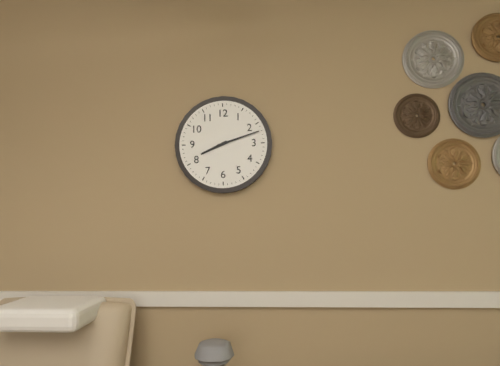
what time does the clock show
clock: 8:12
